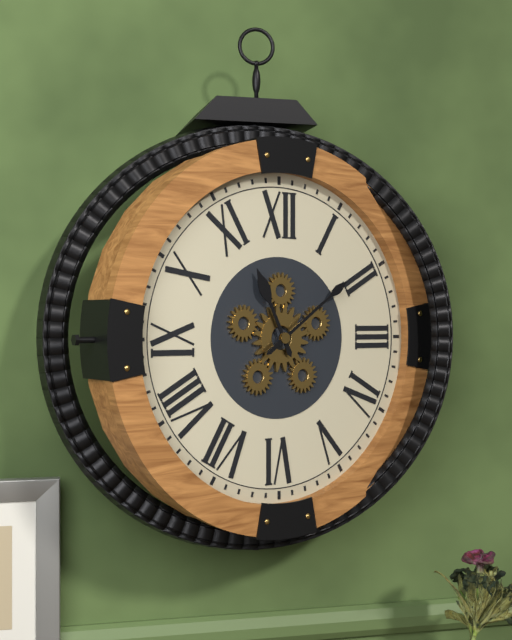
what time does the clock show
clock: 11:09
